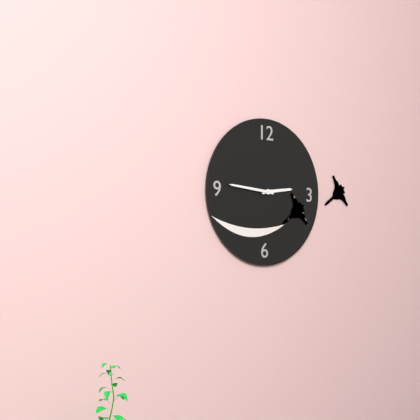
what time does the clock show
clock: 2:46
